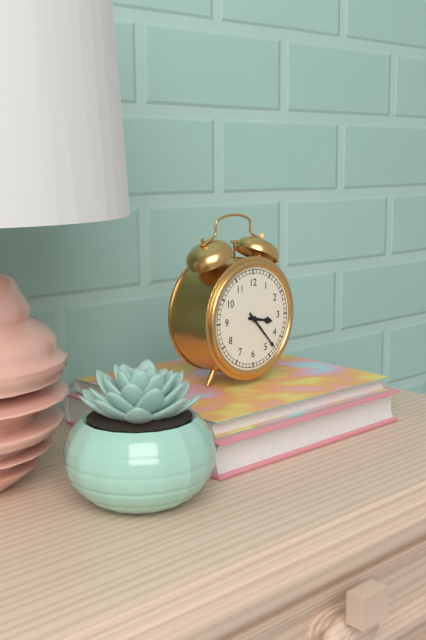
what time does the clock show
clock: 3:23
